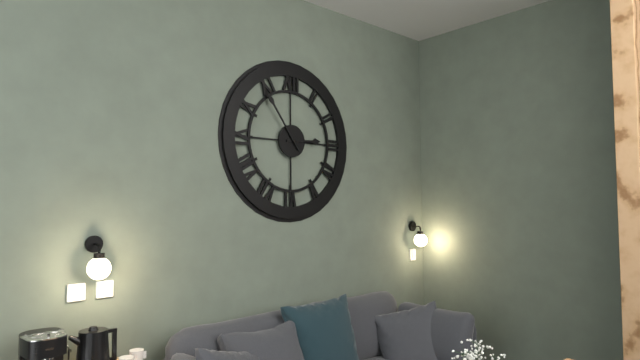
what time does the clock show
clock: 2:54
